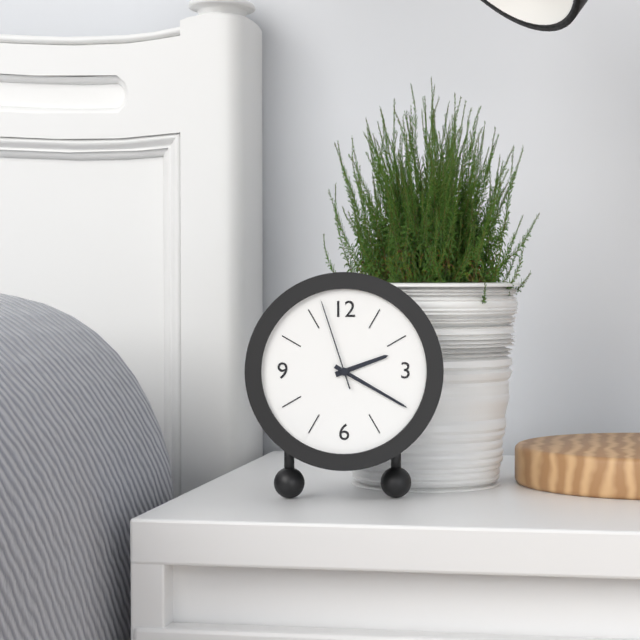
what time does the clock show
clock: 2:20:57
